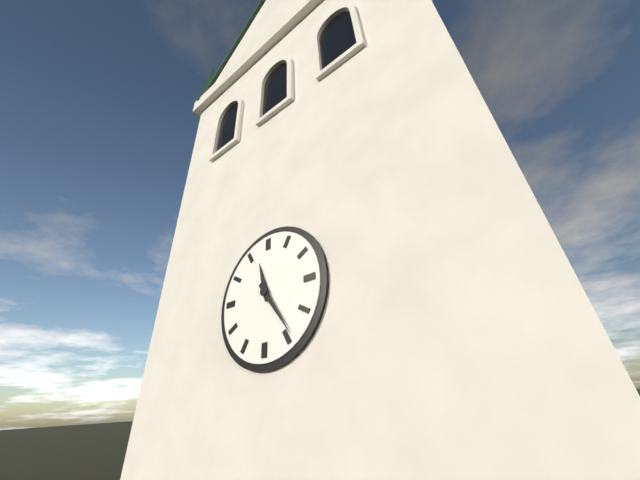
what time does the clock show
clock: 11:24
